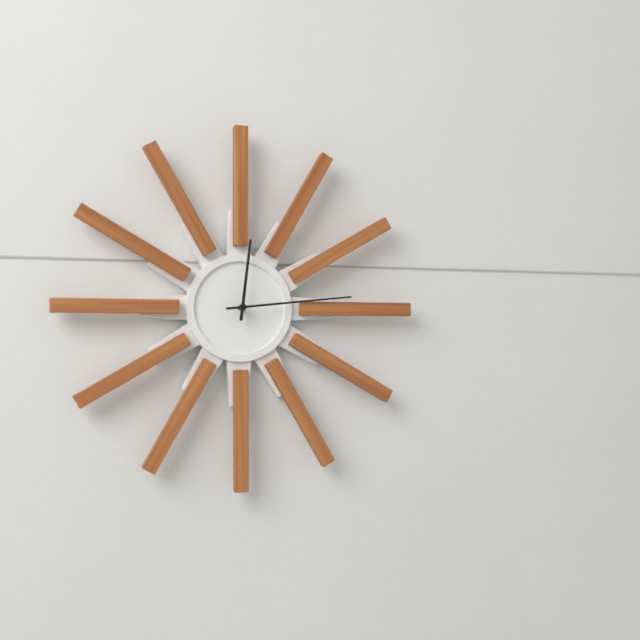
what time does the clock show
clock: 12:14
